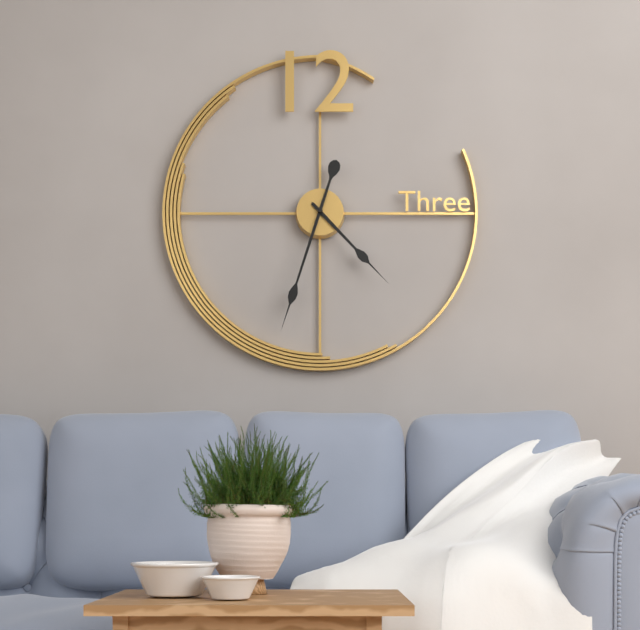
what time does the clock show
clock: 4:33
